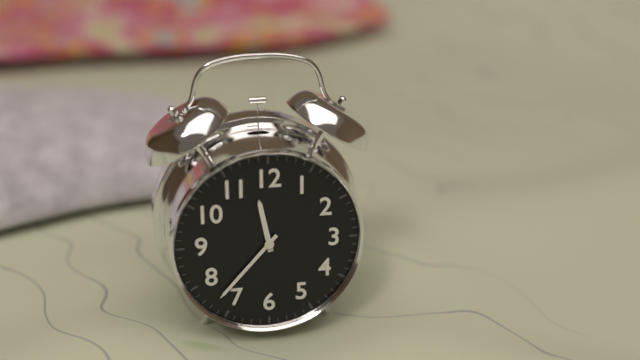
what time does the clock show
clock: 11:37
